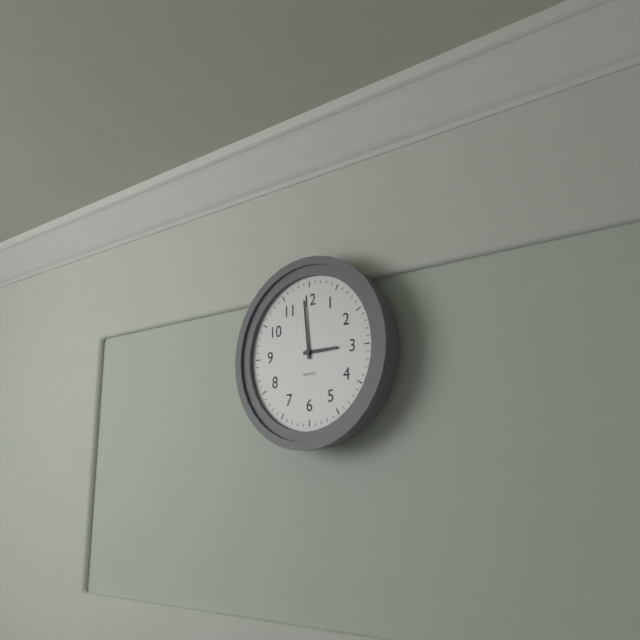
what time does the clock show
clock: 2:59
